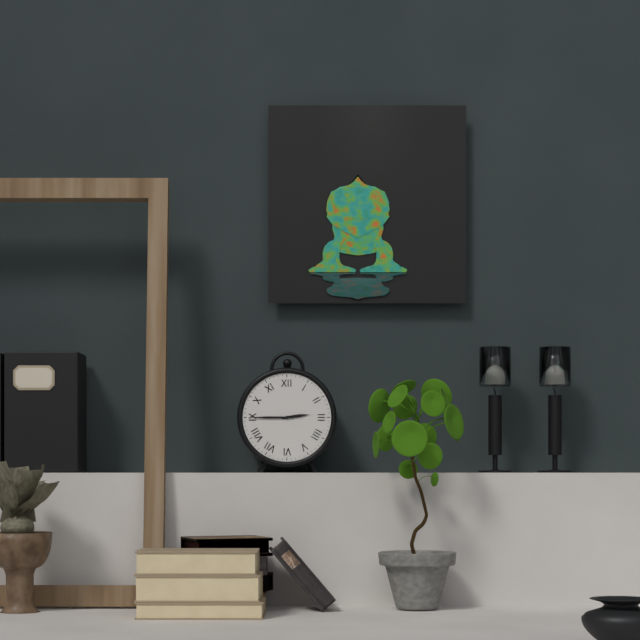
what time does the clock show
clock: 2:45
